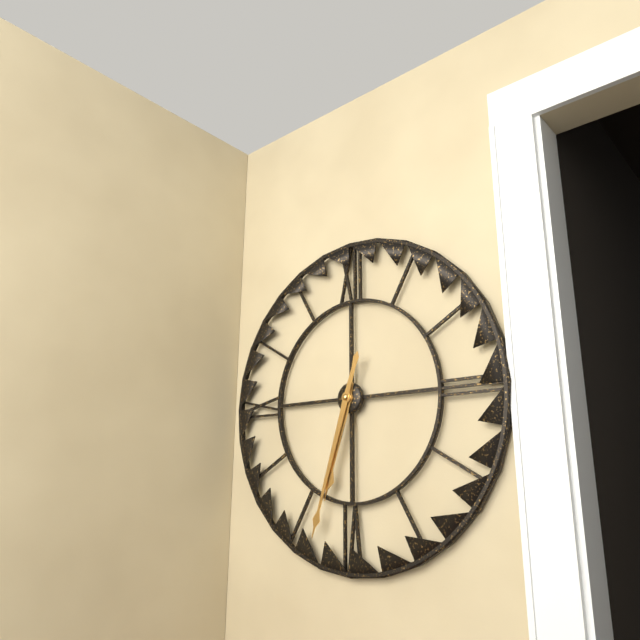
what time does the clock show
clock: 6:33
